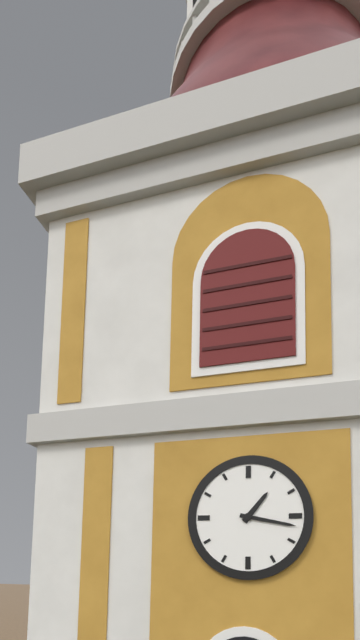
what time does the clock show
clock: 1:17
